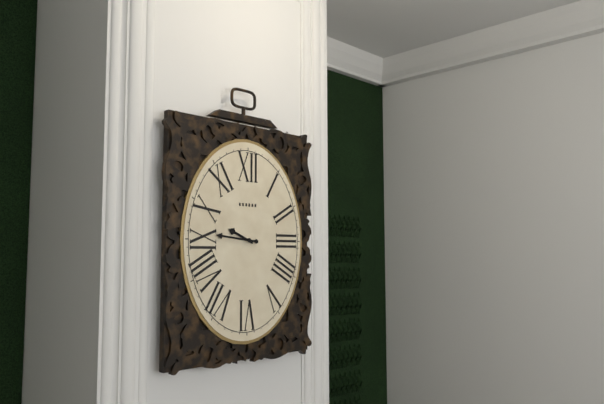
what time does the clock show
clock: 9:46
